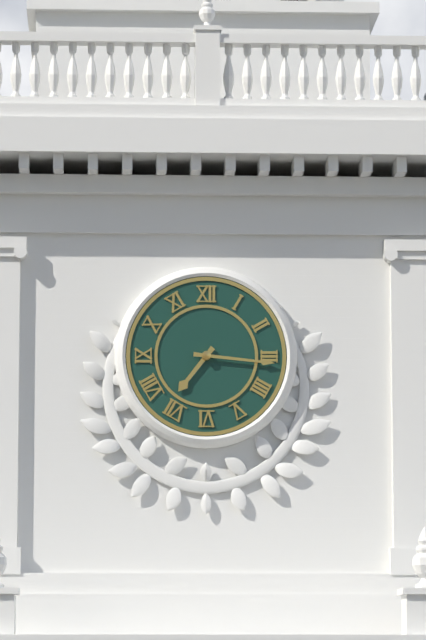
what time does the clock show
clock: 7:16
